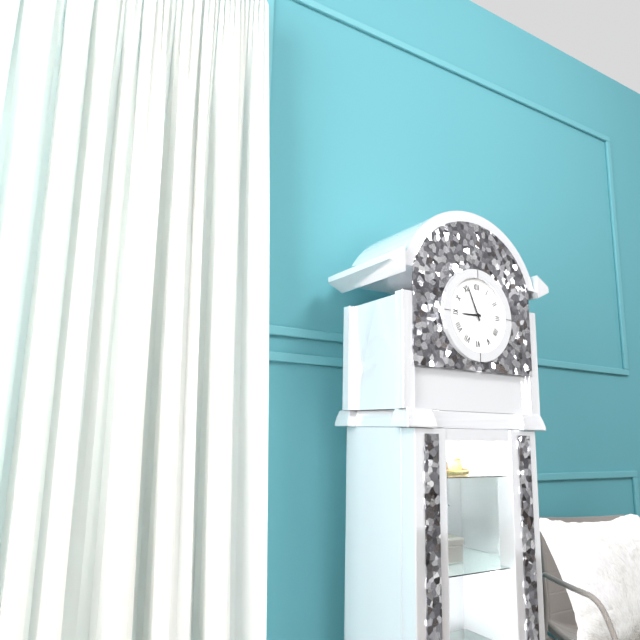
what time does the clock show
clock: 8:56
